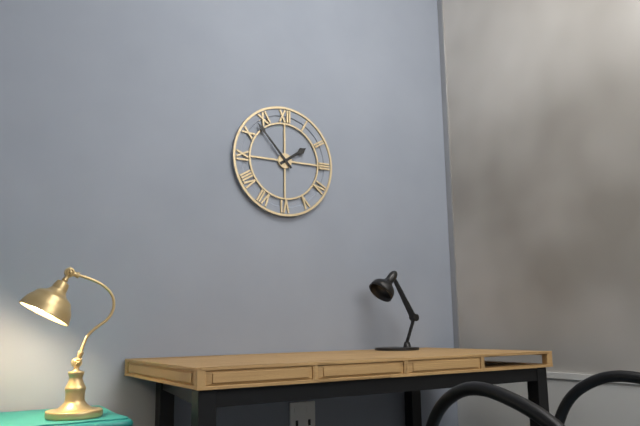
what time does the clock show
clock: 1:53
